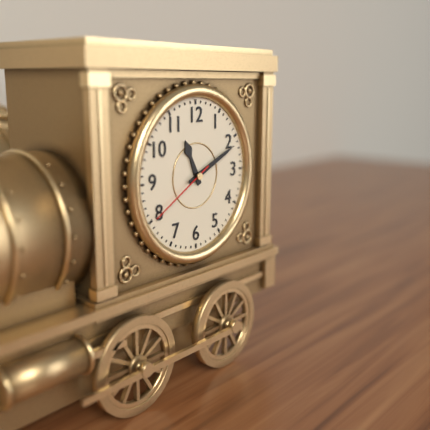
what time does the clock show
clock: 11:11:40
